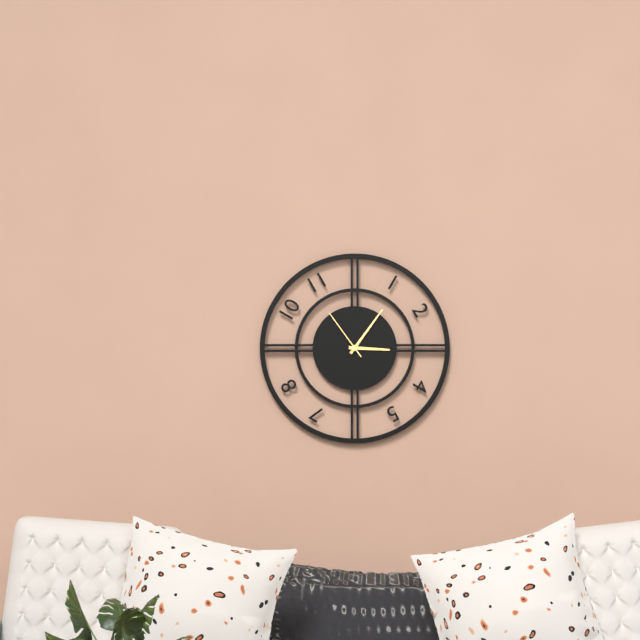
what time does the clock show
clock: 3:06:54
